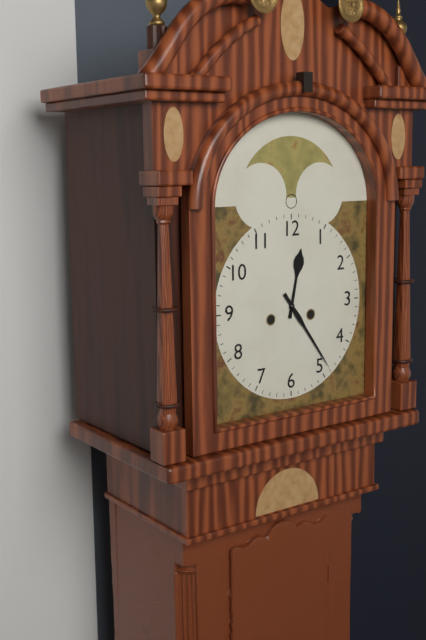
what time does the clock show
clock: 12:24
